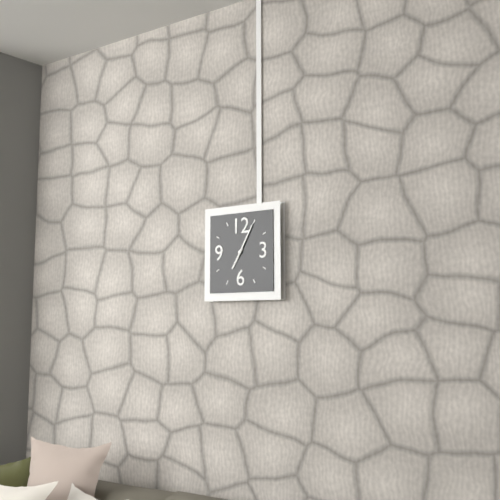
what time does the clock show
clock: 7:05
